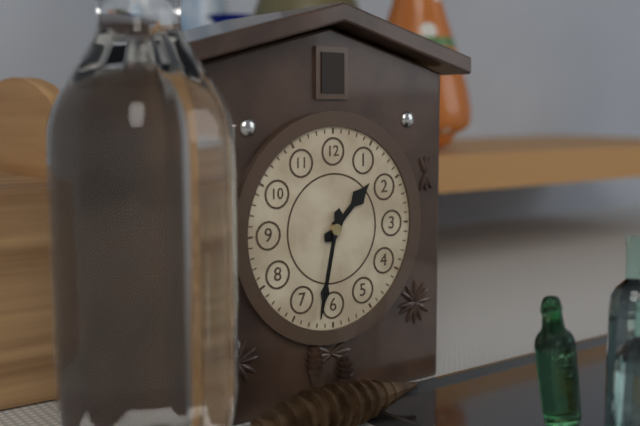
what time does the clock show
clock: 1:32
